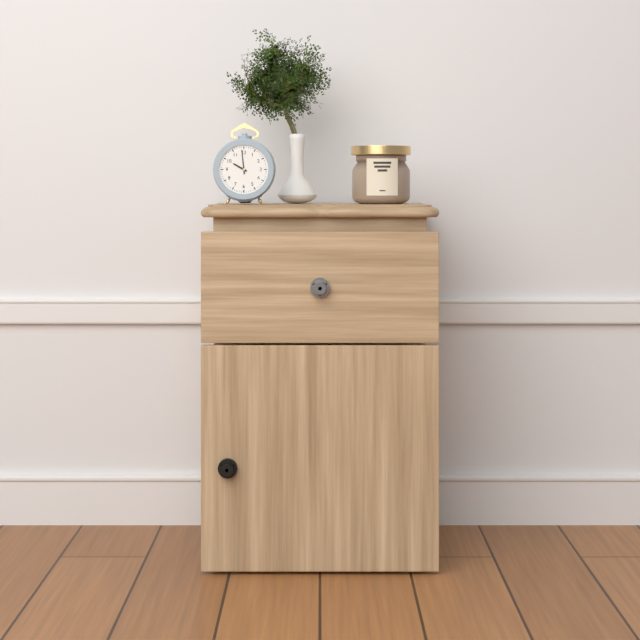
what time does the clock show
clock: 9:59
